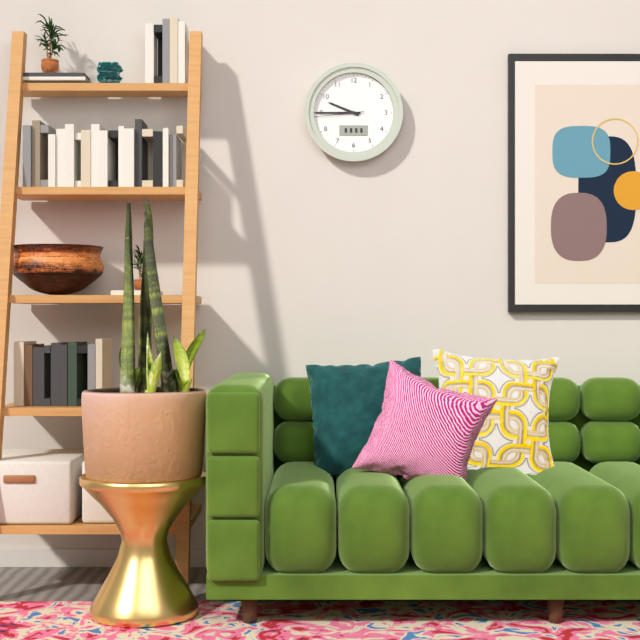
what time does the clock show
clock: 9:45:44
